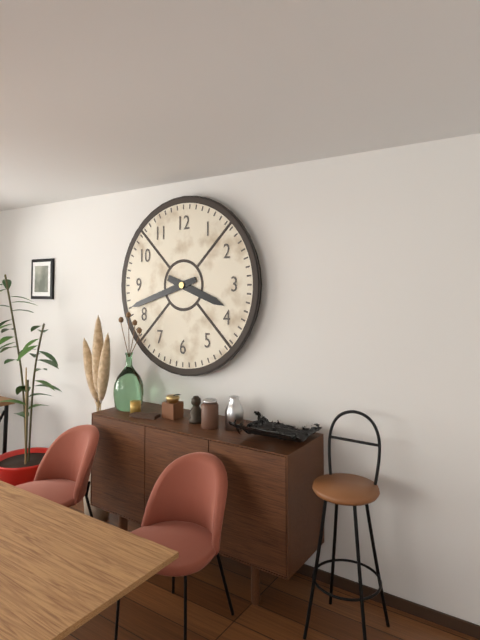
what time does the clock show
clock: 3:42
